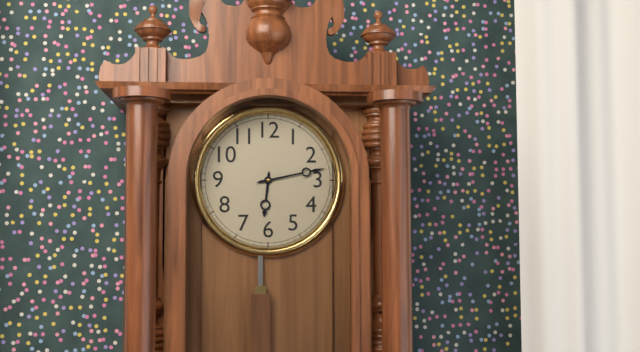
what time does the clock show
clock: 6:13
